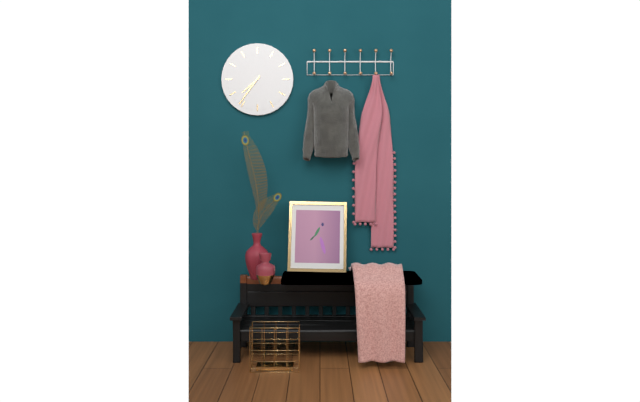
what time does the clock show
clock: 7:36
